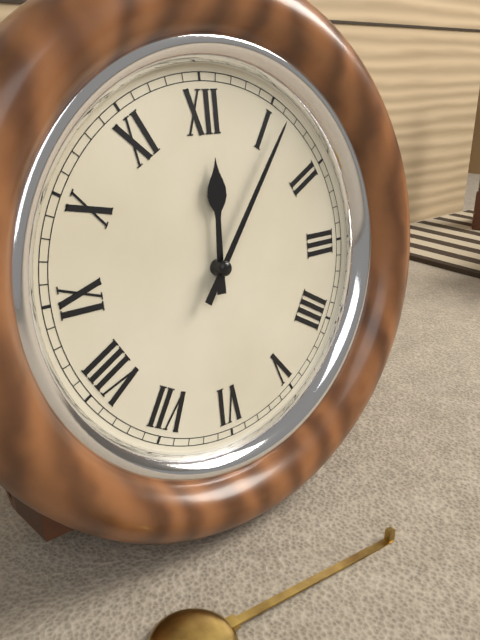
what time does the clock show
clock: 12:06
